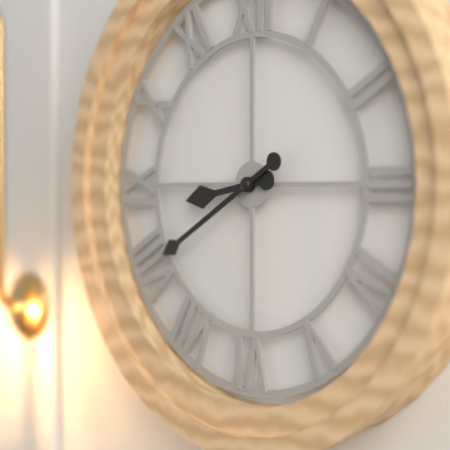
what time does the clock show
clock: 8:40
